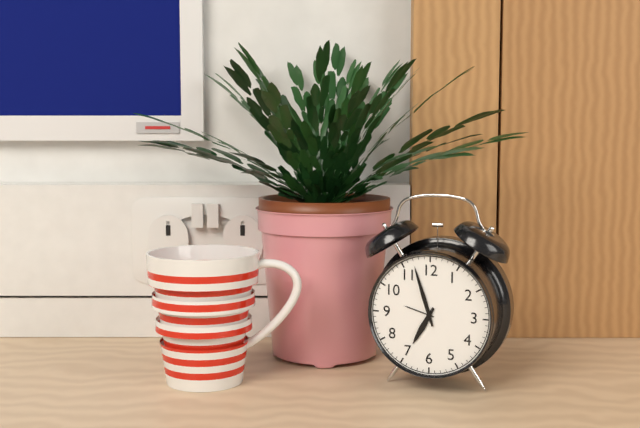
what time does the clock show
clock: 6:57
